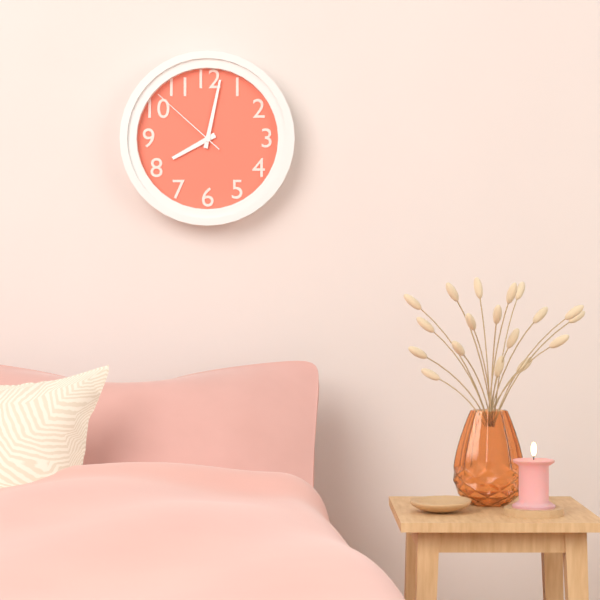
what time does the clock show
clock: 8:02:52
